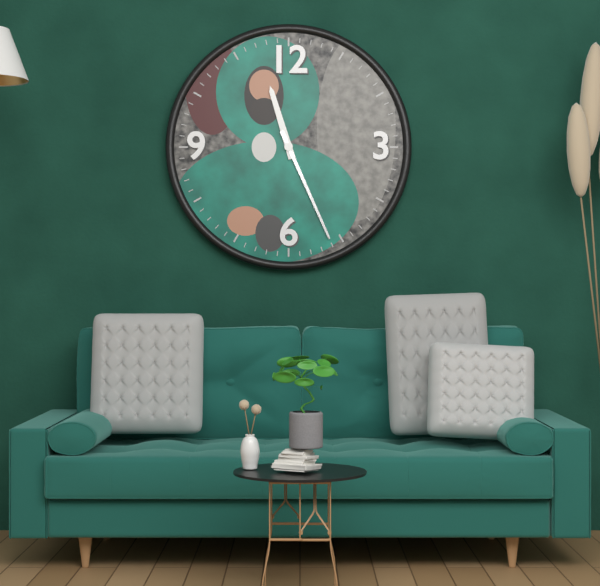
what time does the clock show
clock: 11:26
